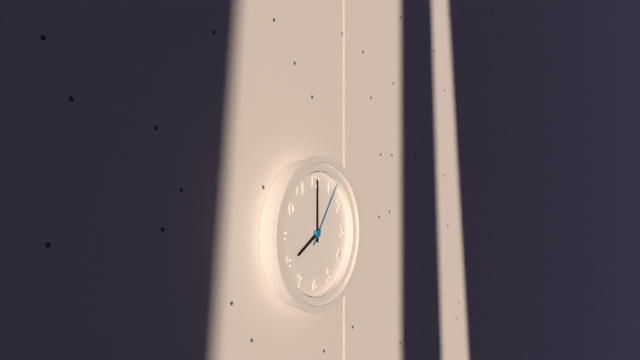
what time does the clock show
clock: 8:00:06
